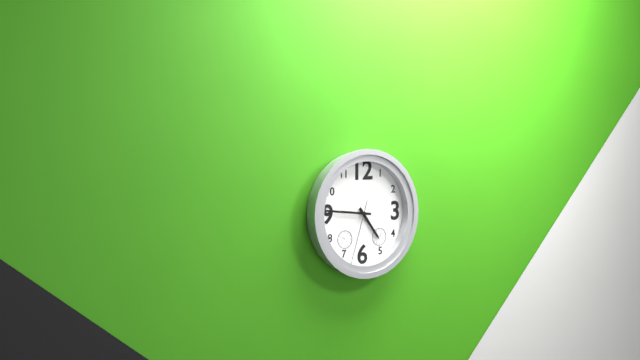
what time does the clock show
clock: 4:46:33
